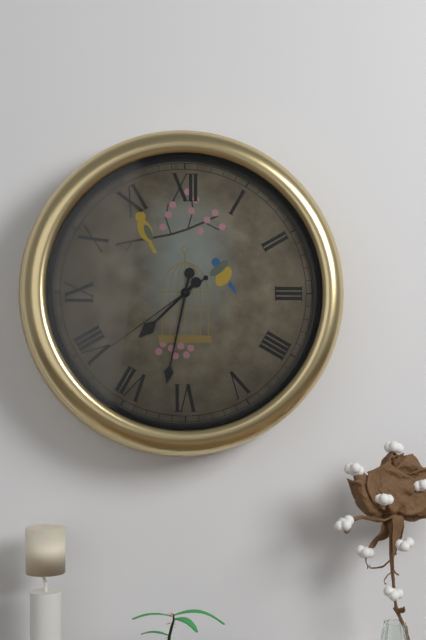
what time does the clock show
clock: 7:32:39
